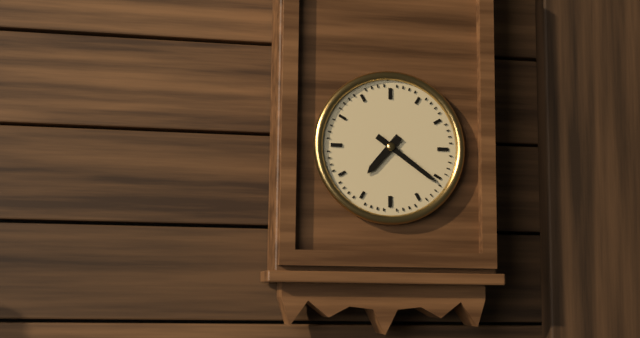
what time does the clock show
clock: 7:21
